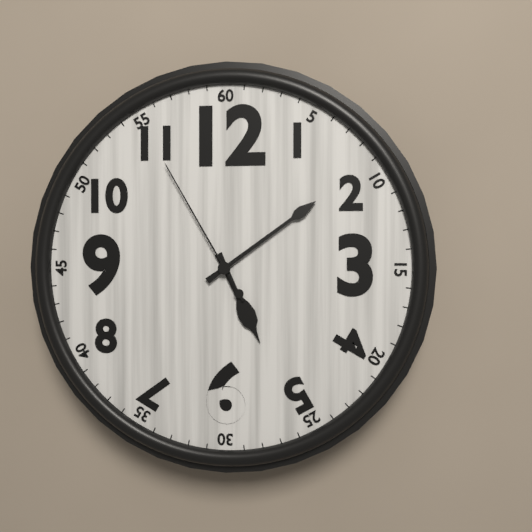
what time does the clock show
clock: 5:09:55
